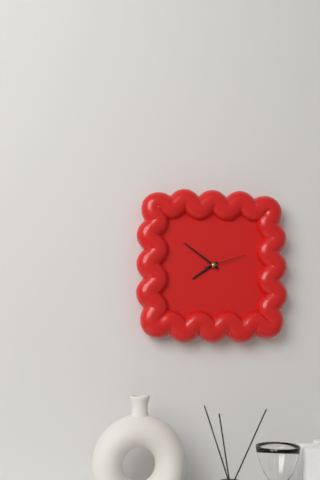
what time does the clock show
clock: 7:51
